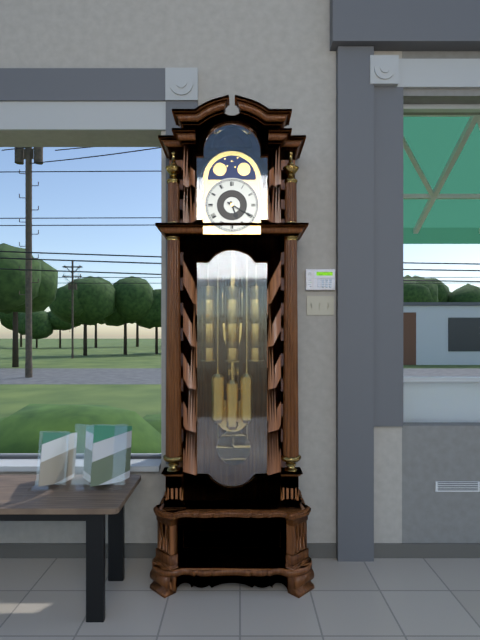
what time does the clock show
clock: 5:20
